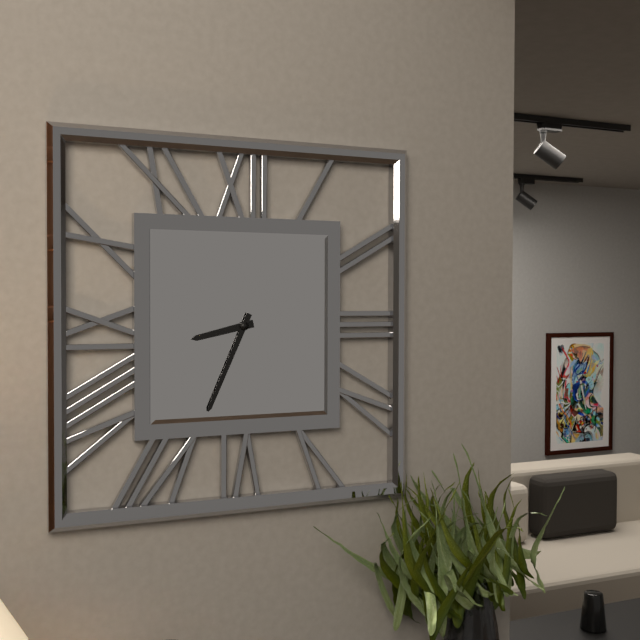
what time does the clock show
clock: 8:34
